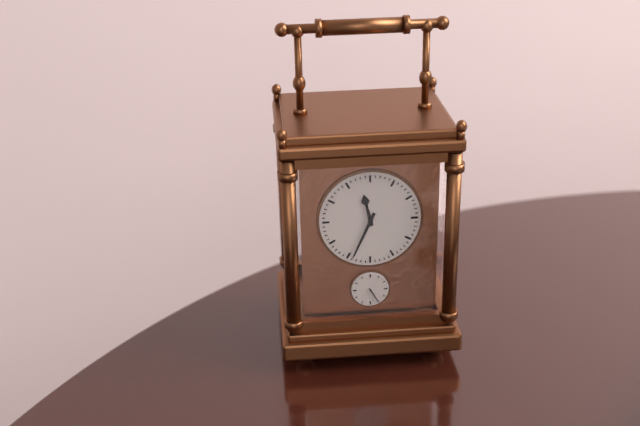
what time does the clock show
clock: 11:34
